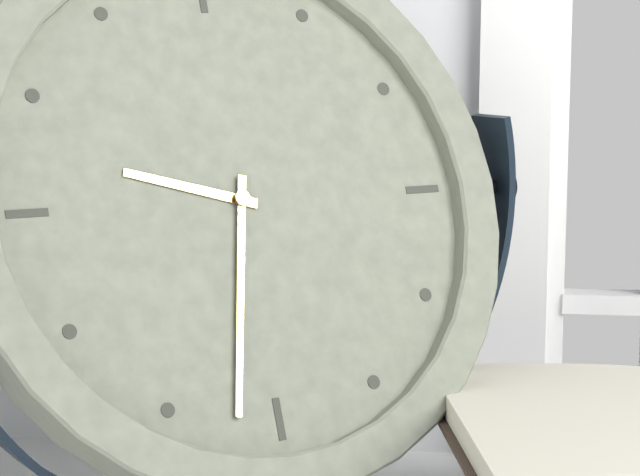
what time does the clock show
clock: 9:32
